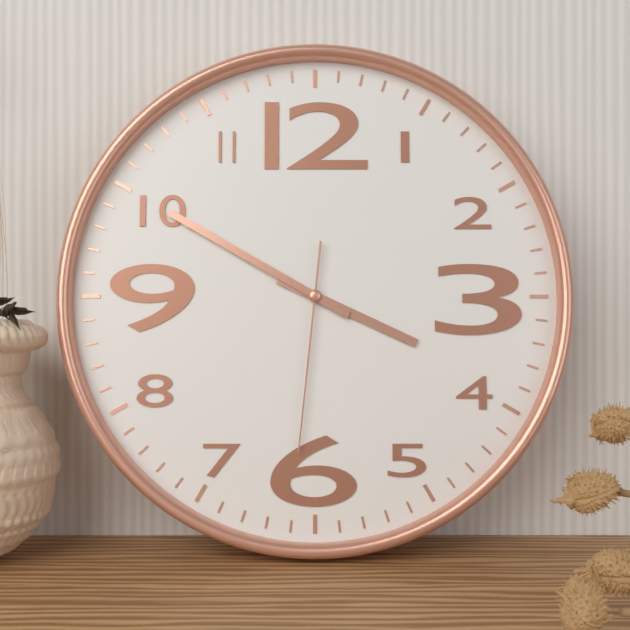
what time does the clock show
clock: 3:50:31
